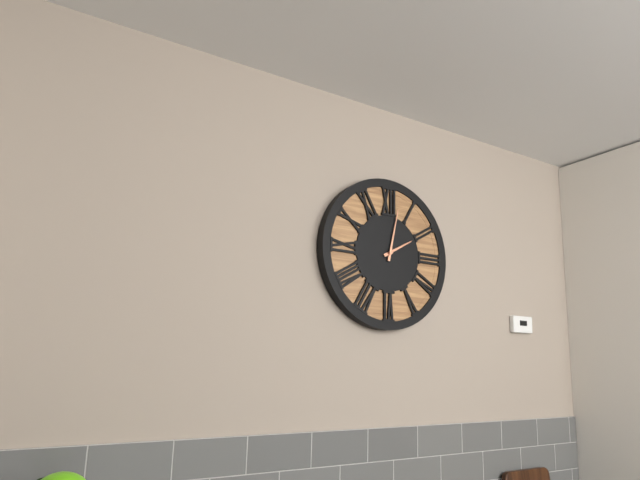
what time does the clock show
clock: 2:02
